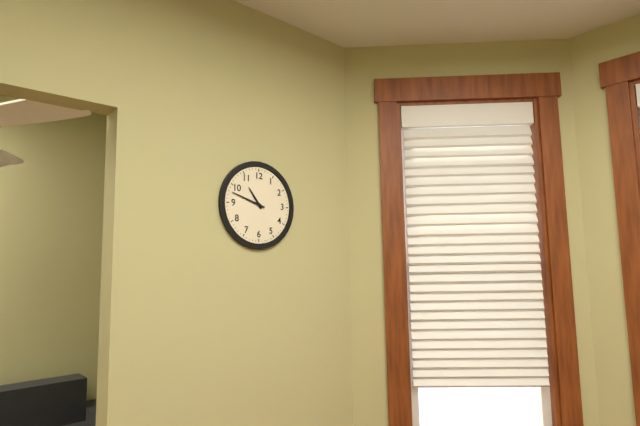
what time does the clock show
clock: 10:48
